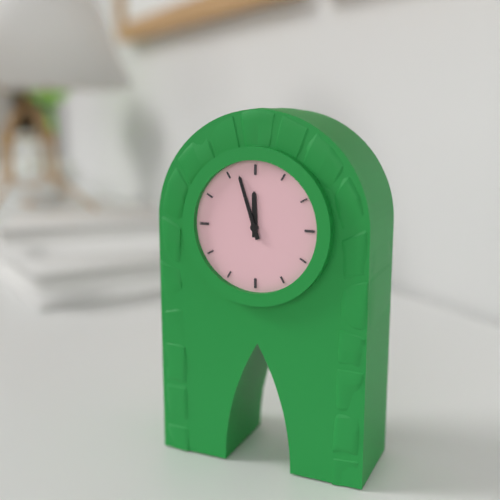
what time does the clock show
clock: 11:57
